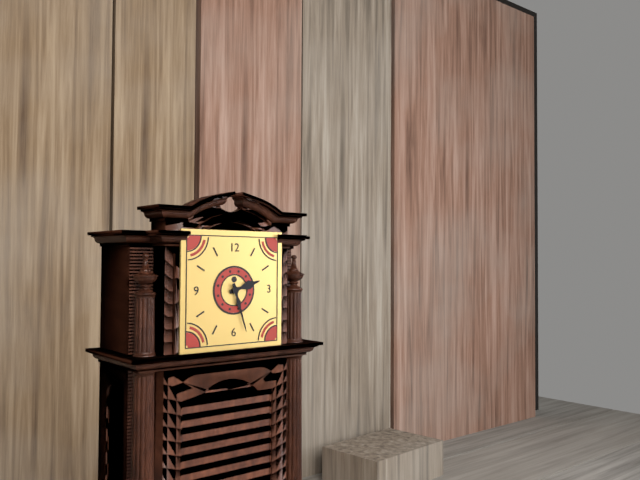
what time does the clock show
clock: 2:27
